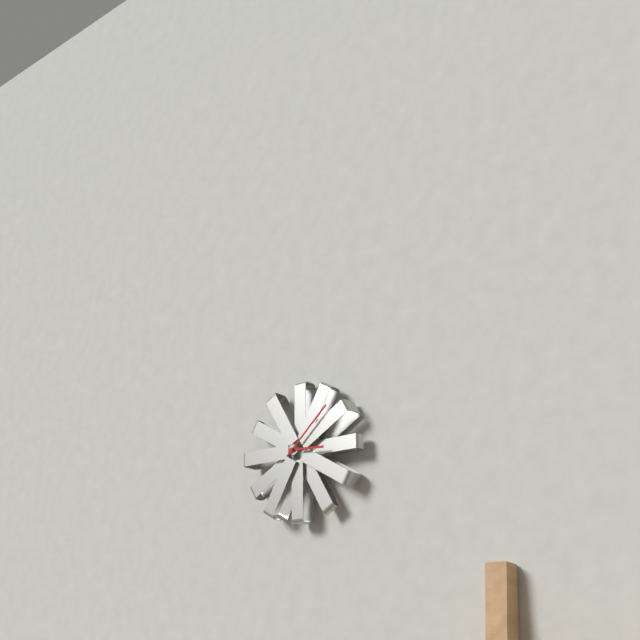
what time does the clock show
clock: 3:08
